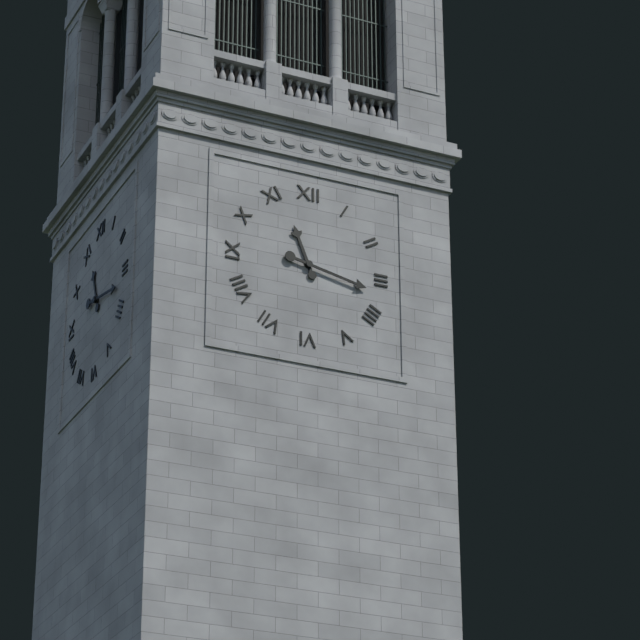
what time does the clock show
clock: 11:17
